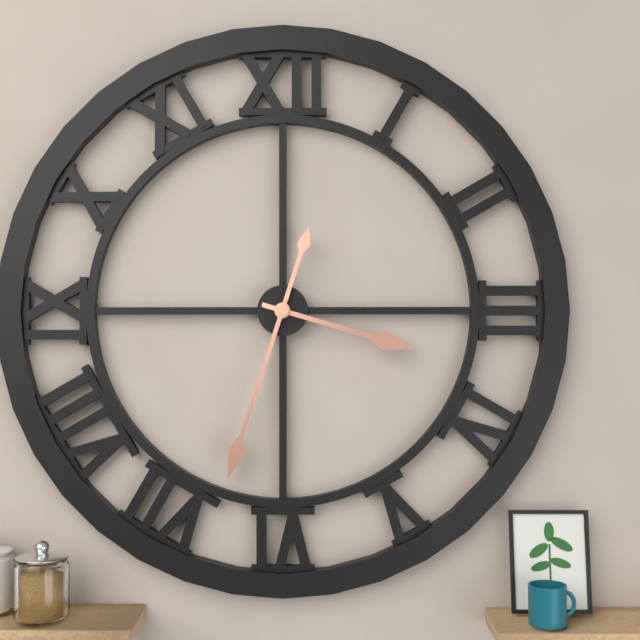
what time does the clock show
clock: 3:33
